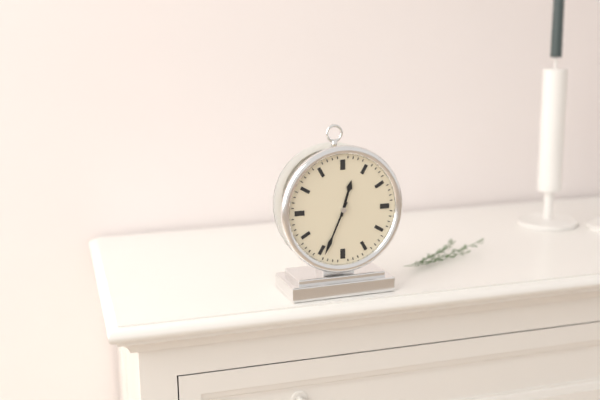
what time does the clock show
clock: 12:34
